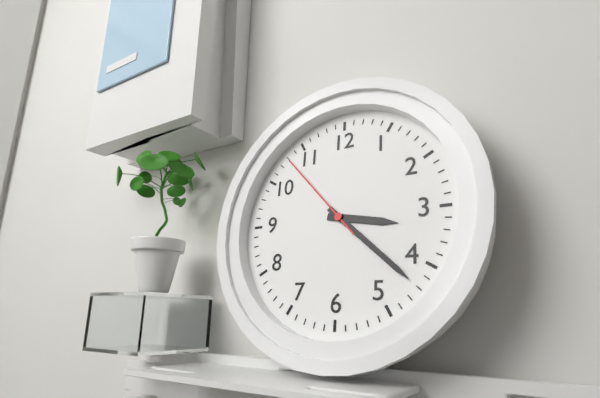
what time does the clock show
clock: 3:22:53
